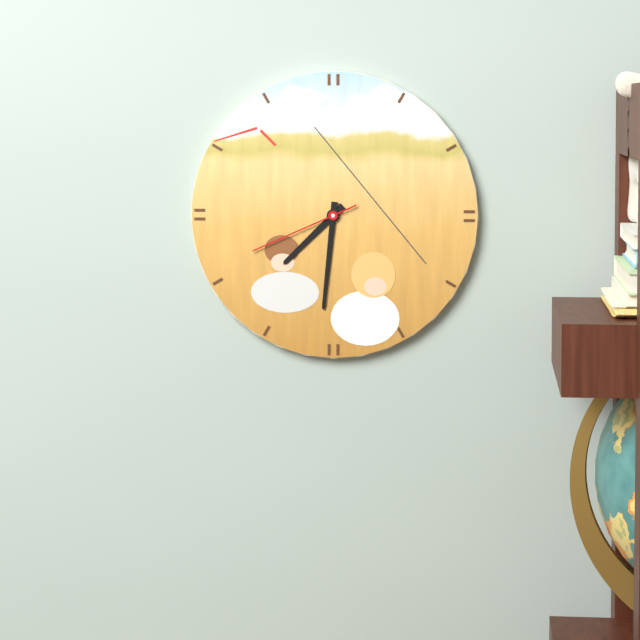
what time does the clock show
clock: 7:31:41
